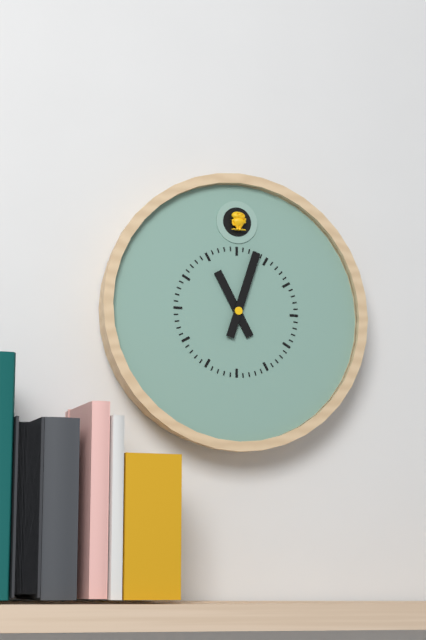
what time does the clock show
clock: 11:03
